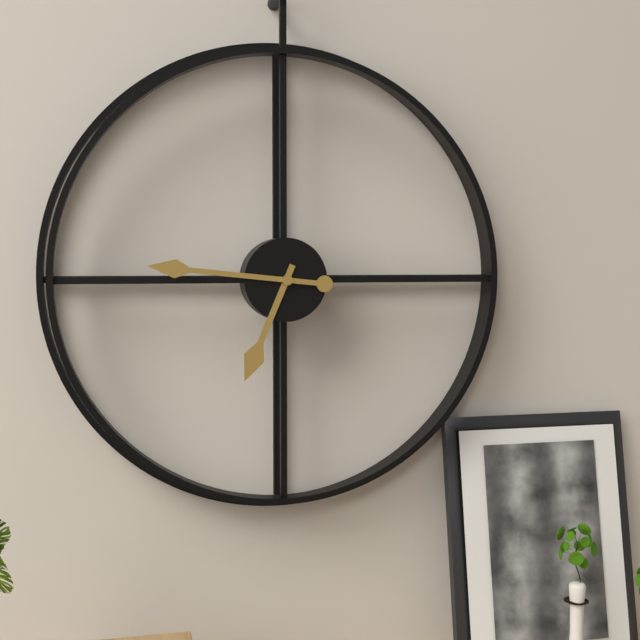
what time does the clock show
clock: 6:46
